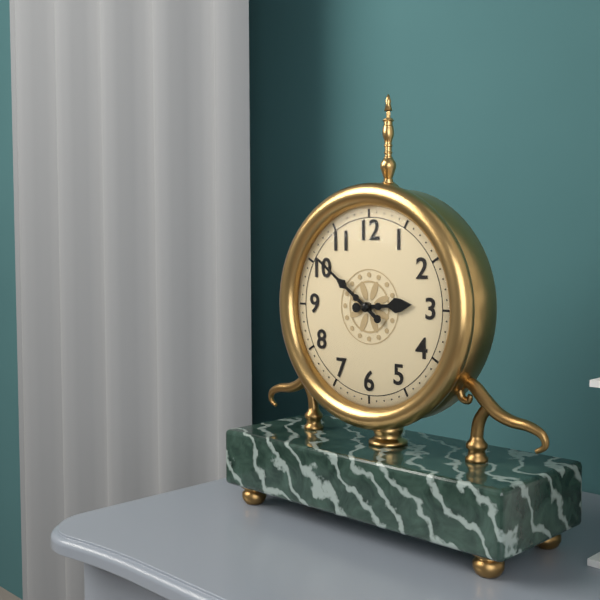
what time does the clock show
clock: 2:51
